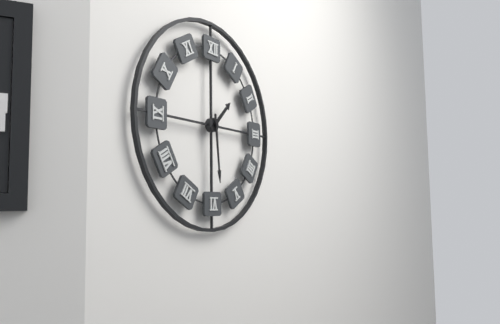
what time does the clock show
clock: 1:29
